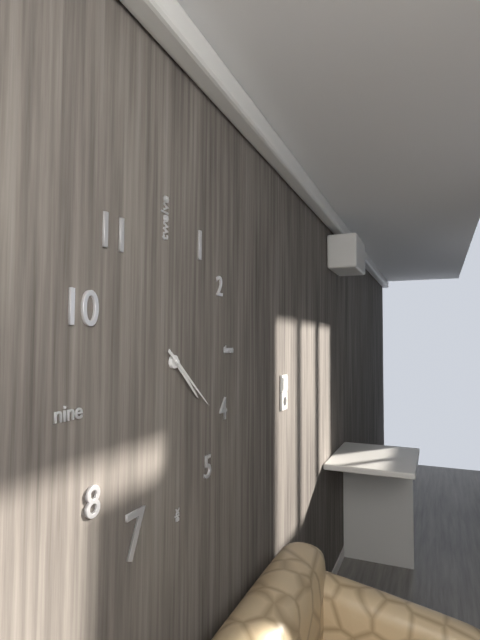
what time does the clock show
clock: 4:21
